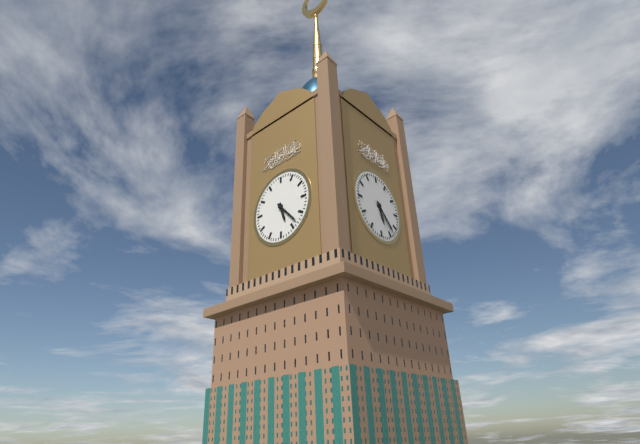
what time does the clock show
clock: 5:23
